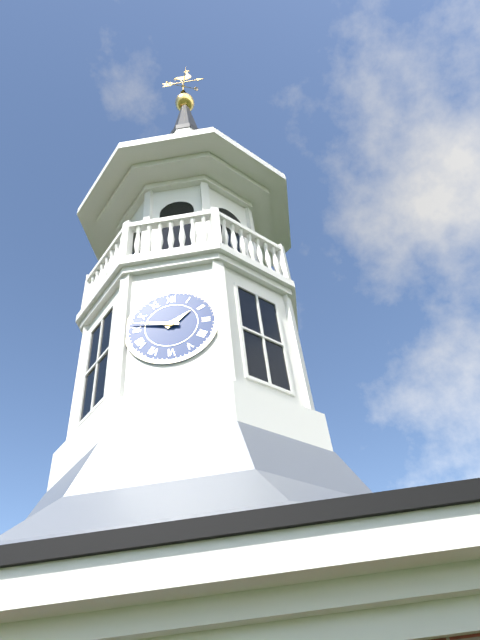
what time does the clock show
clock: 1:47
